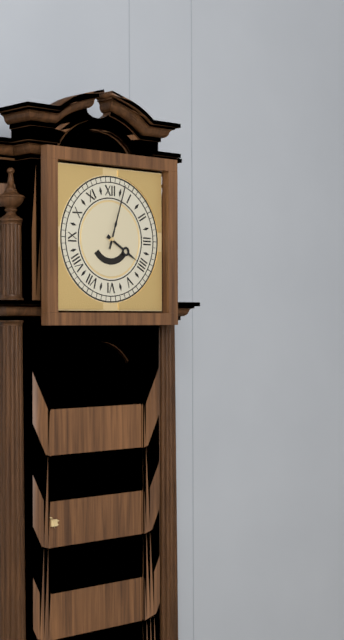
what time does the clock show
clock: 4:03
